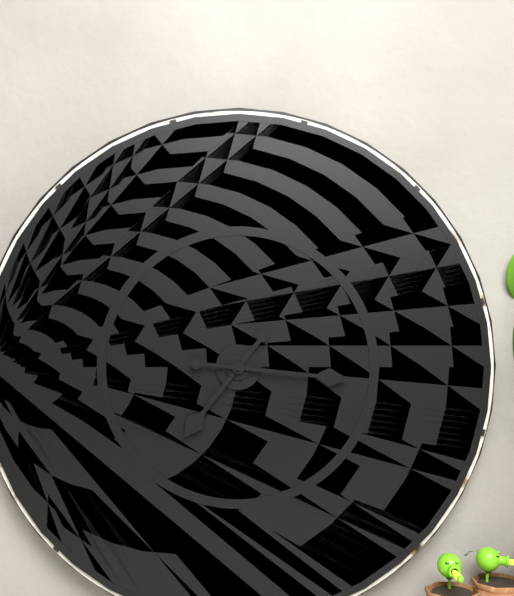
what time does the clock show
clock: 7:16
